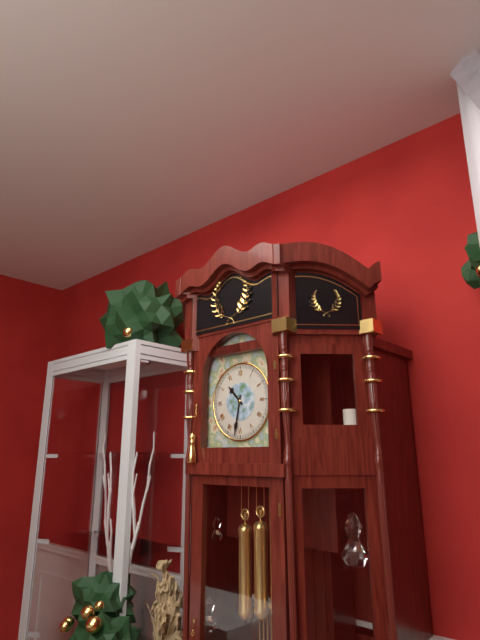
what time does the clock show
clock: 10:32
